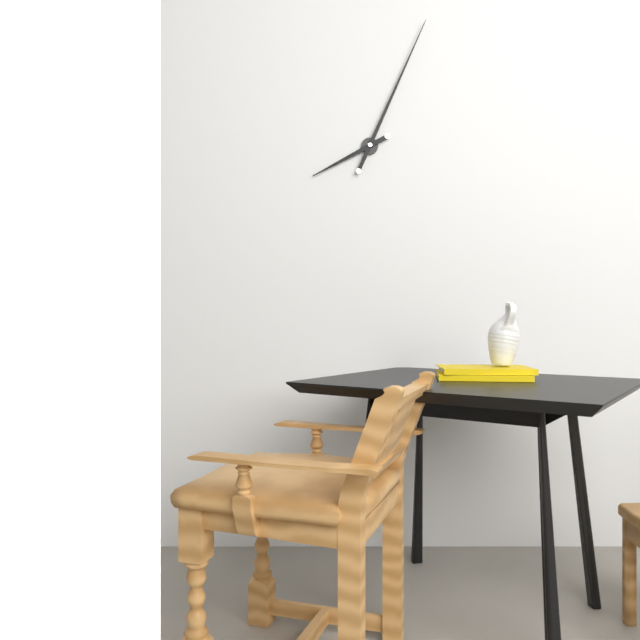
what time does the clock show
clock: 8:04
